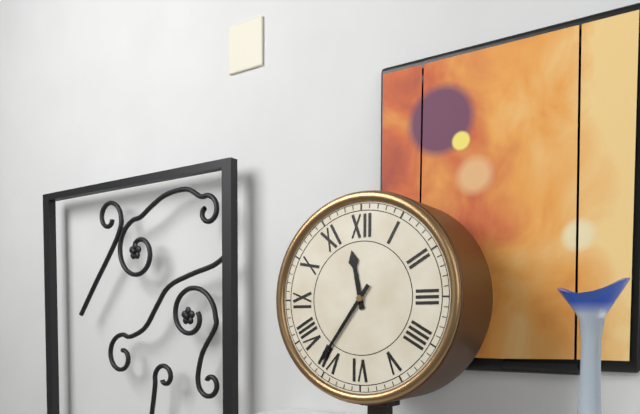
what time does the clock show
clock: 11:36
